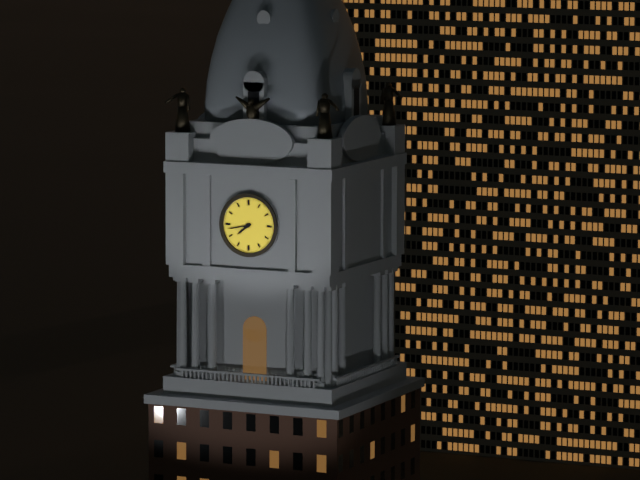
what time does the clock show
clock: 7:43
